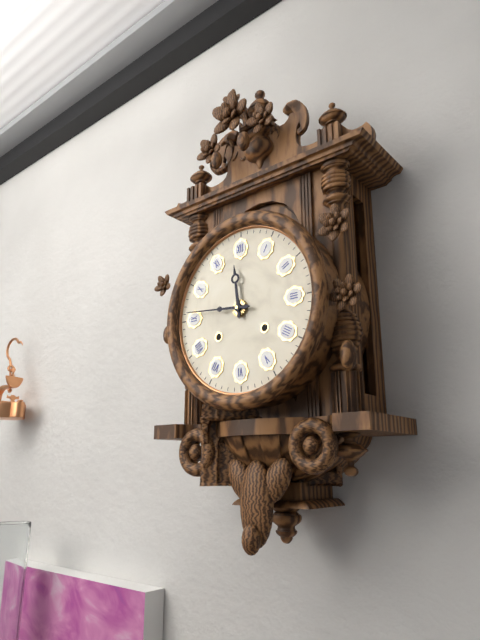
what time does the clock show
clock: 11:46
